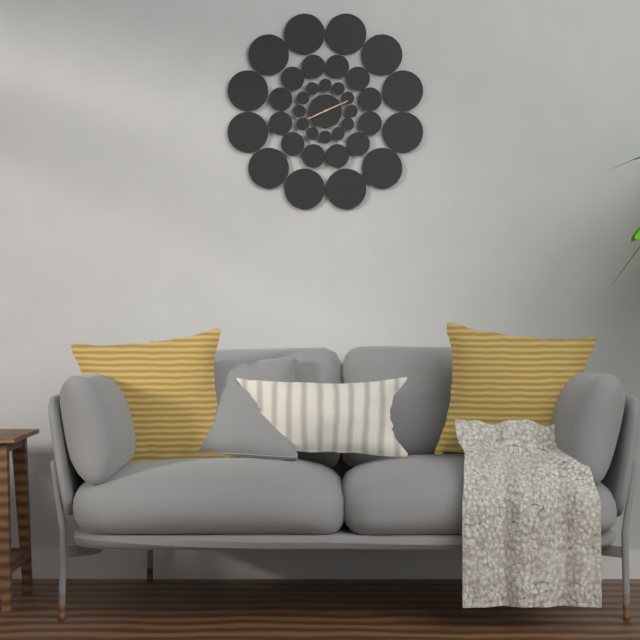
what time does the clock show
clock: 8:11
